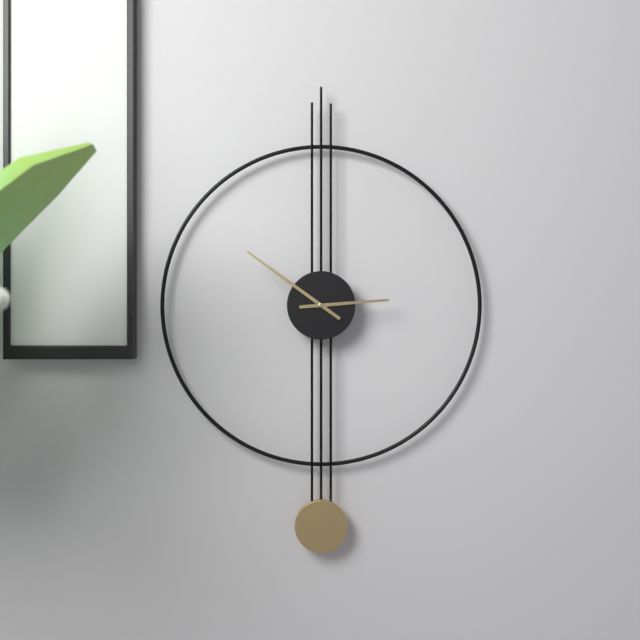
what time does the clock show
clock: 2:51
